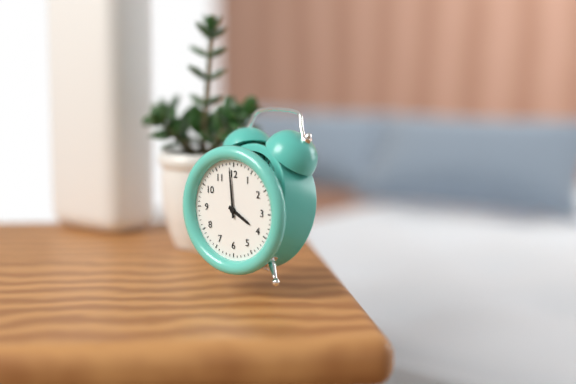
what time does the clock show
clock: 3:59
